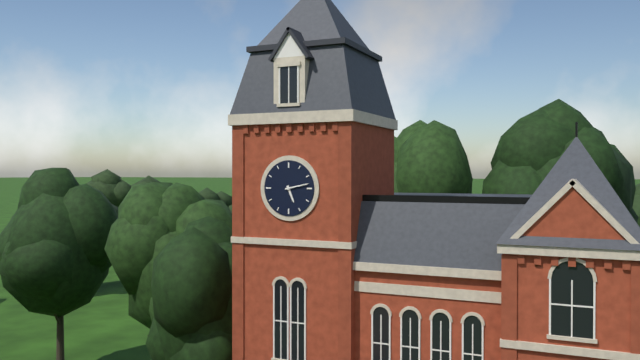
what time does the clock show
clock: 5:13
